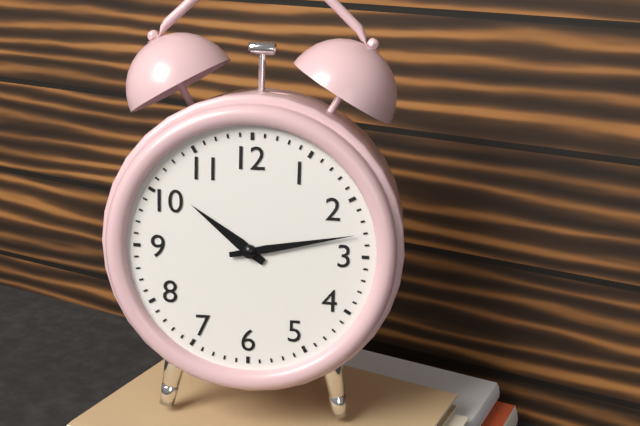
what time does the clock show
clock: 10:13
